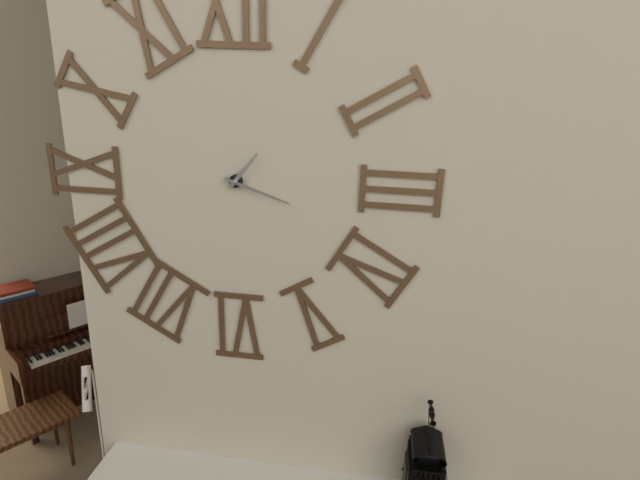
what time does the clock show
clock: 1:18
